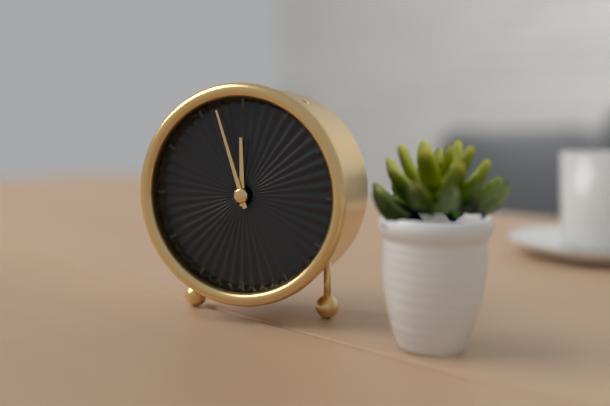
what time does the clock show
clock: 11:57
